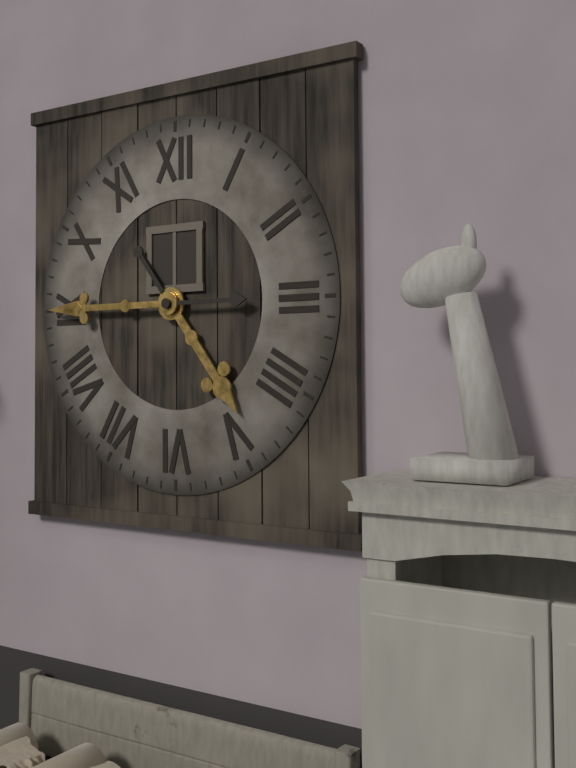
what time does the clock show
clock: 4:45
